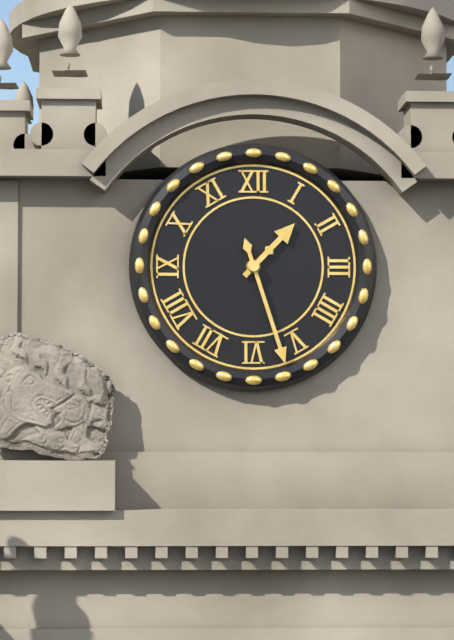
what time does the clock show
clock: 1:27
